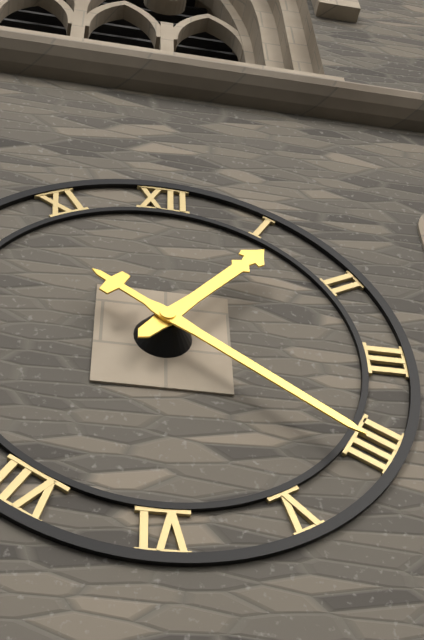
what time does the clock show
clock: 1:21
